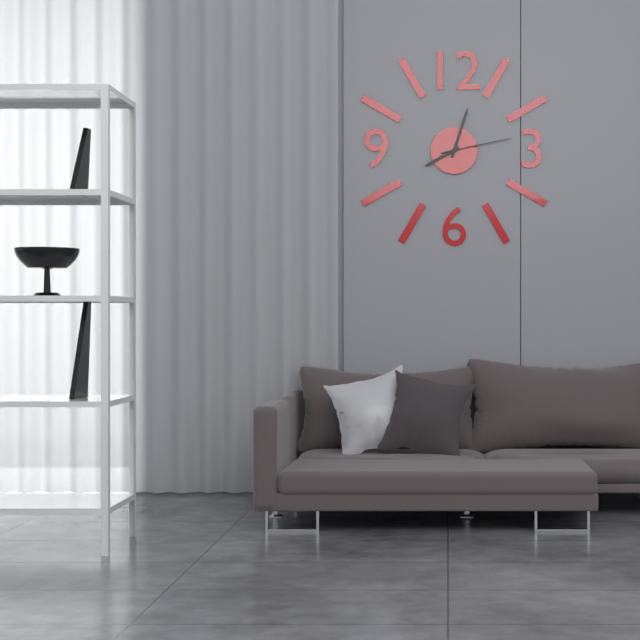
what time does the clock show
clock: 8:03:13
